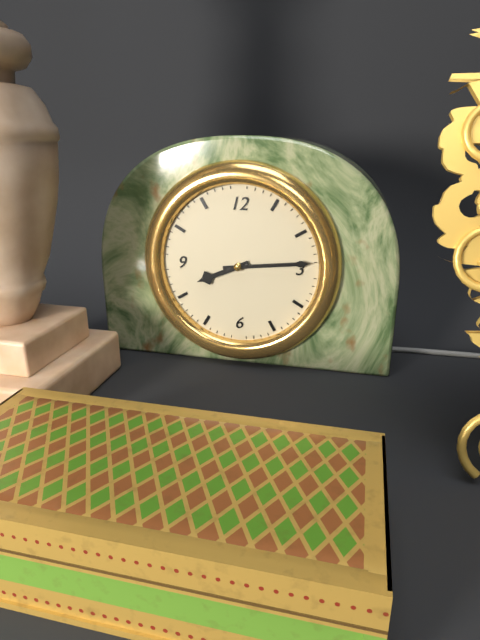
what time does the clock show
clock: 8:14
